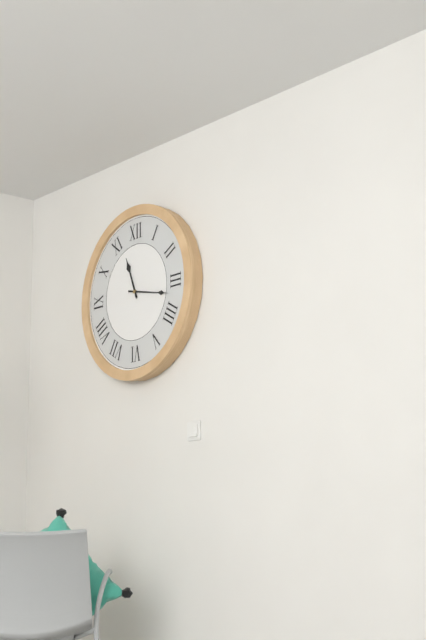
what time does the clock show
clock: 11:17
